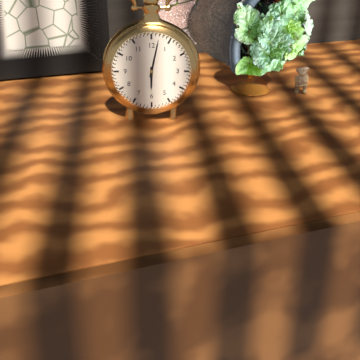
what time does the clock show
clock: 6:02
